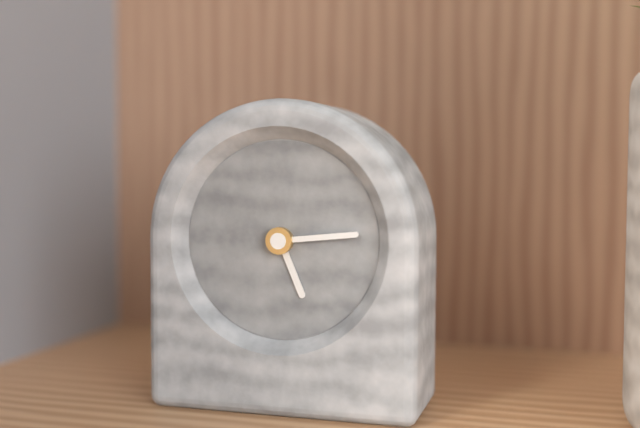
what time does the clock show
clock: 5:14
